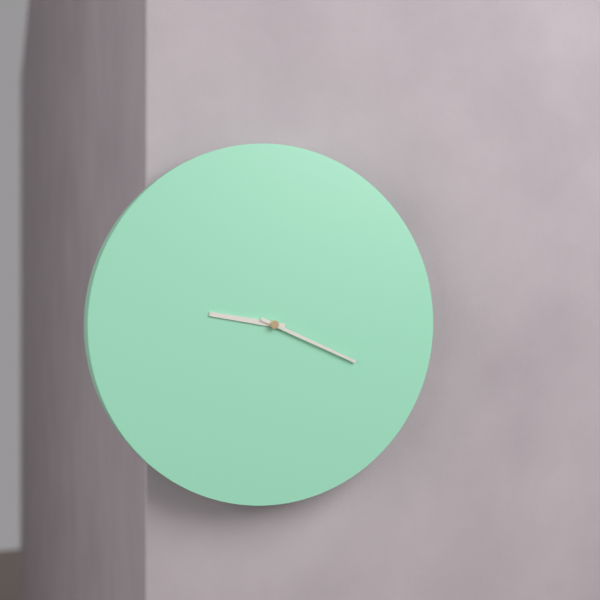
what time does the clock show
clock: 9:19
